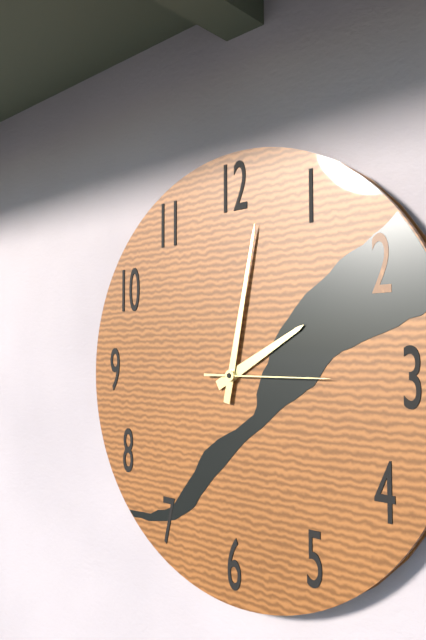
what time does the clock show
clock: 2:02:15
